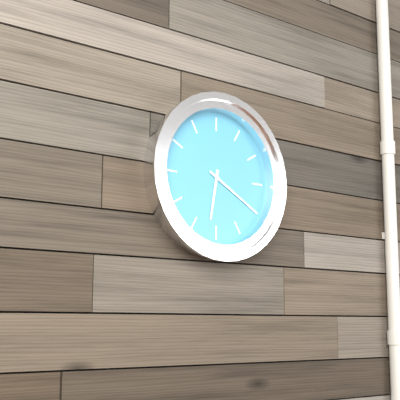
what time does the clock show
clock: 6:20
